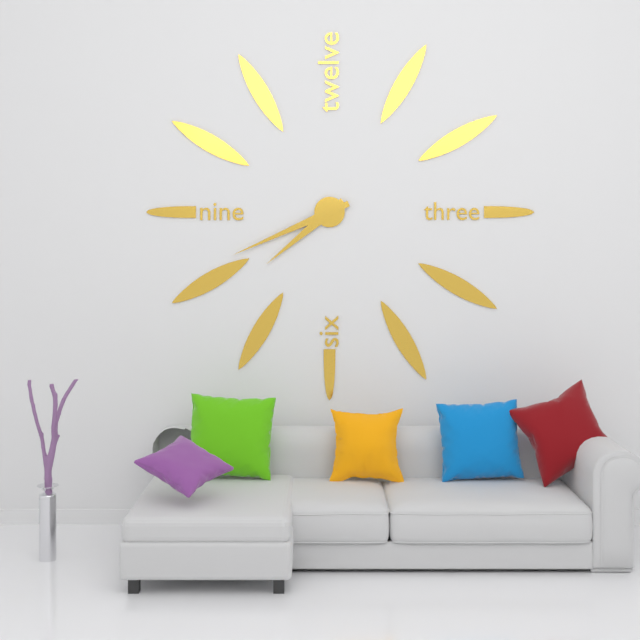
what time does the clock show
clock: 7:41
